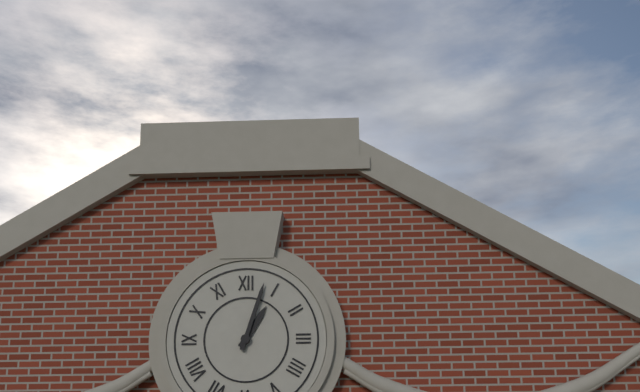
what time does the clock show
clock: 1:03
